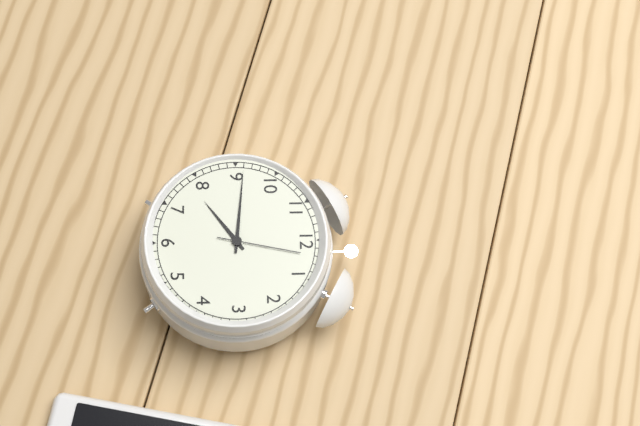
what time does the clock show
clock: 7:46:02
